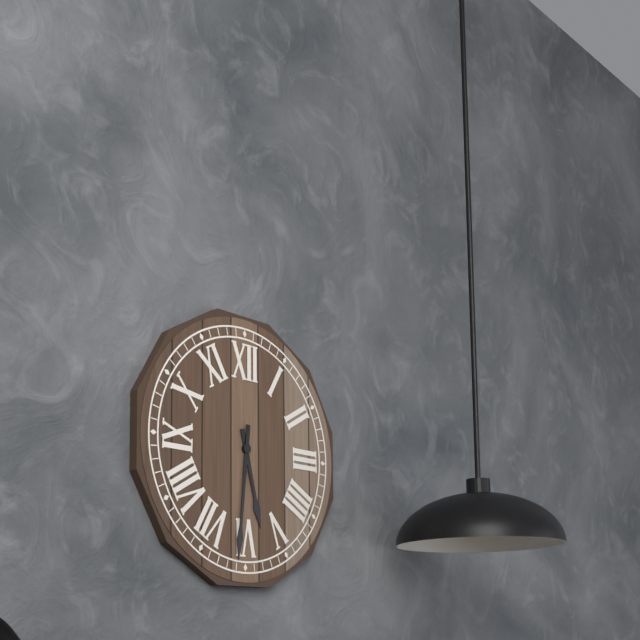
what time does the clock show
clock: 5:31
